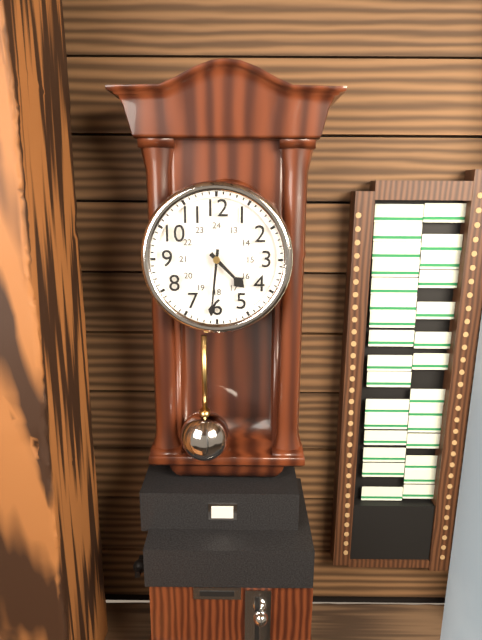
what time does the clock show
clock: 4:31
